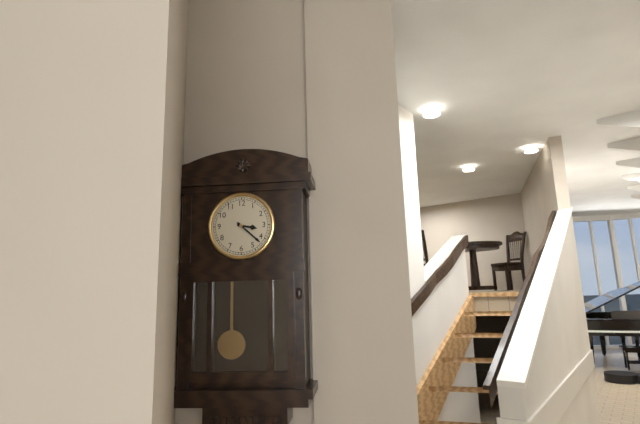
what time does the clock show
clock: 3:22
